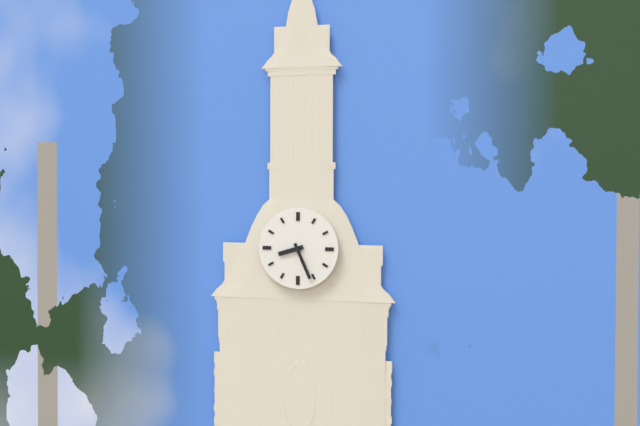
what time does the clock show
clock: 8:26
